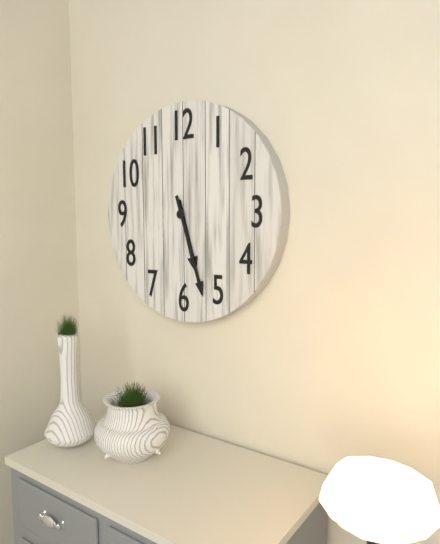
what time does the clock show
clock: 5:27
